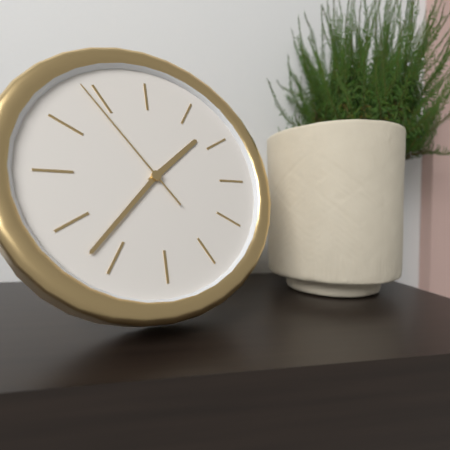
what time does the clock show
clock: 1:37:54
